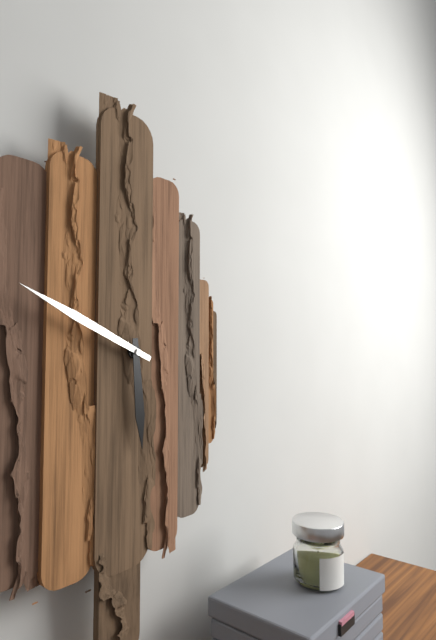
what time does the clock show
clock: 5:49
